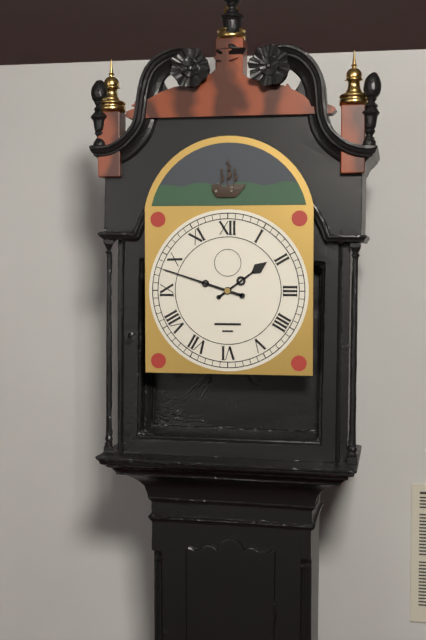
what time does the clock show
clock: 1:48
